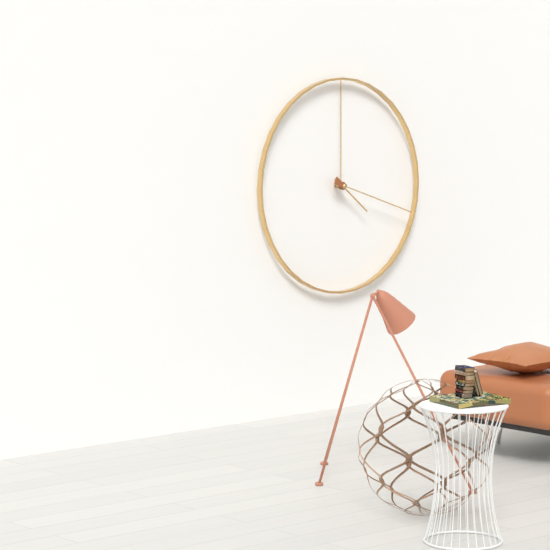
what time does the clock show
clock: 4:18
